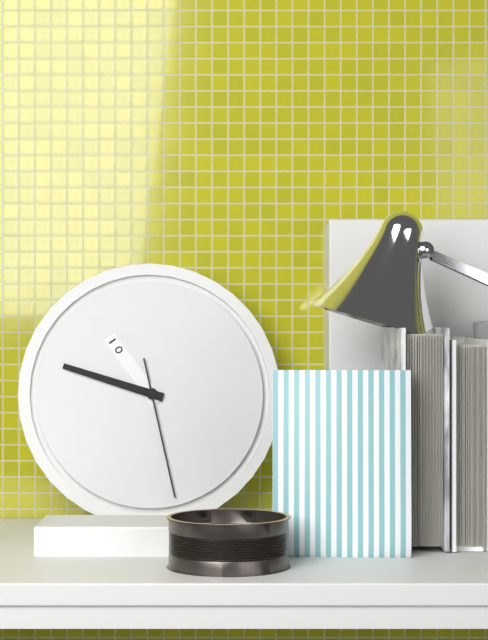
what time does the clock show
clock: 10:48:28
